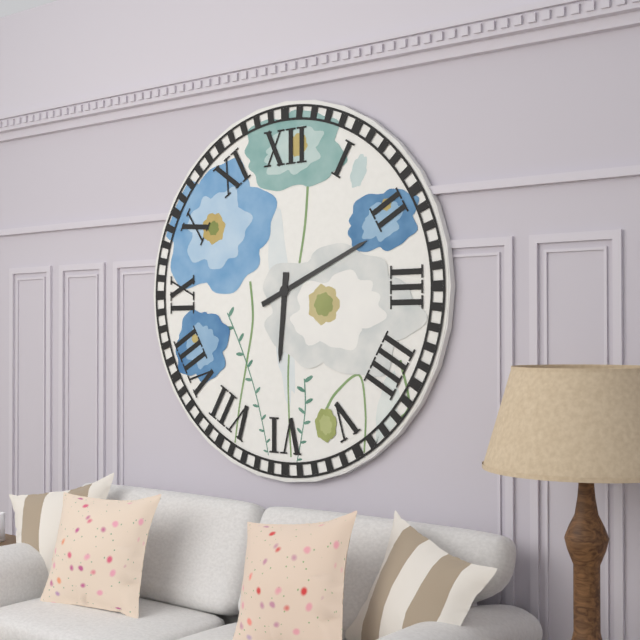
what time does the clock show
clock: 6:11
